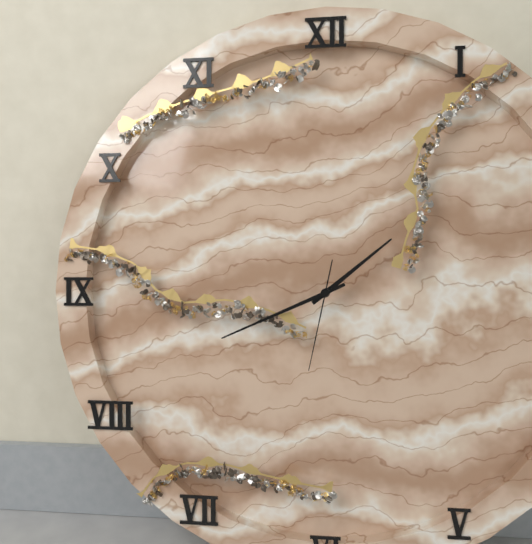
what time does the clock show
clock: 1:41:32
